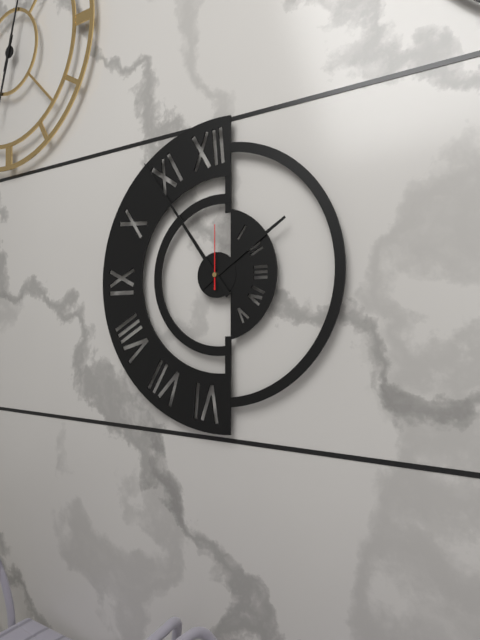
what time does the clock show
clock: 1:54:00
